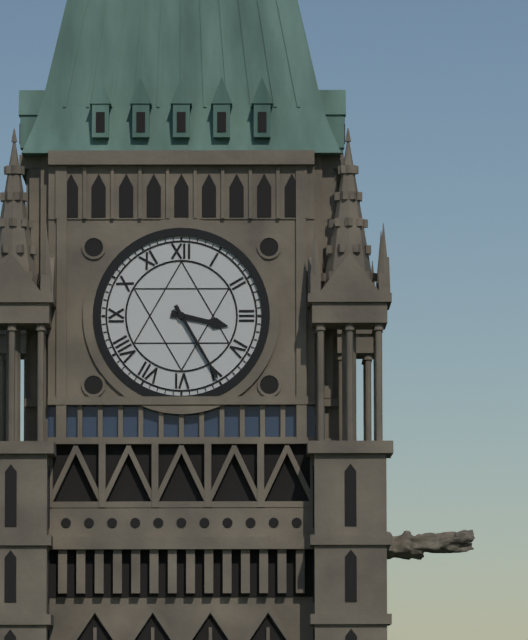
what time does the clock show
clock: 3:25
